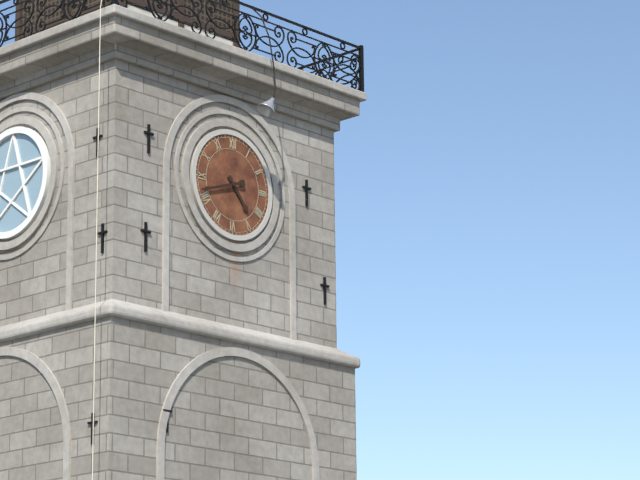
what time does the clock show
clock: 4:42
